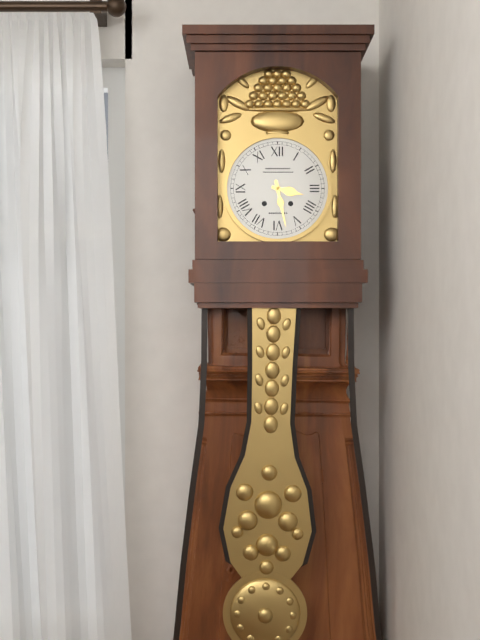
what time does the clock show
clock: 3:28
